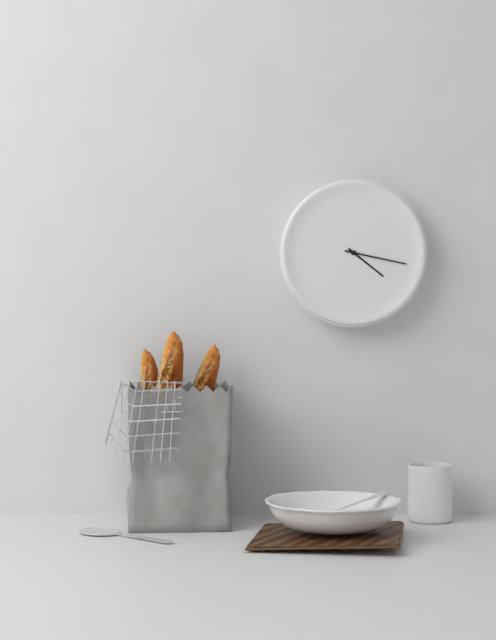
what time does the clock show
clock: 4:17
